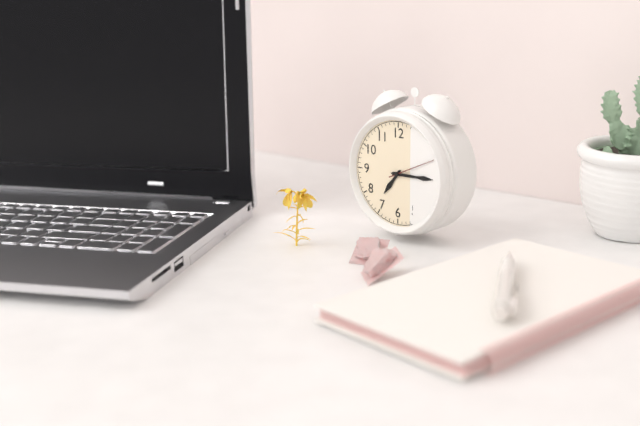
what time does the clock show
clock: 7:15
